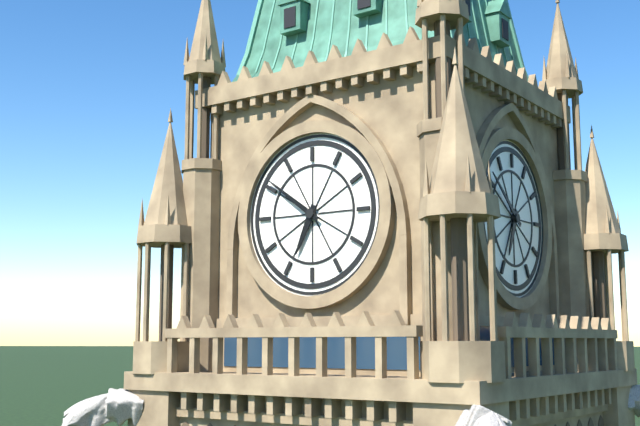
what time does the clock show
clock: 6:51
